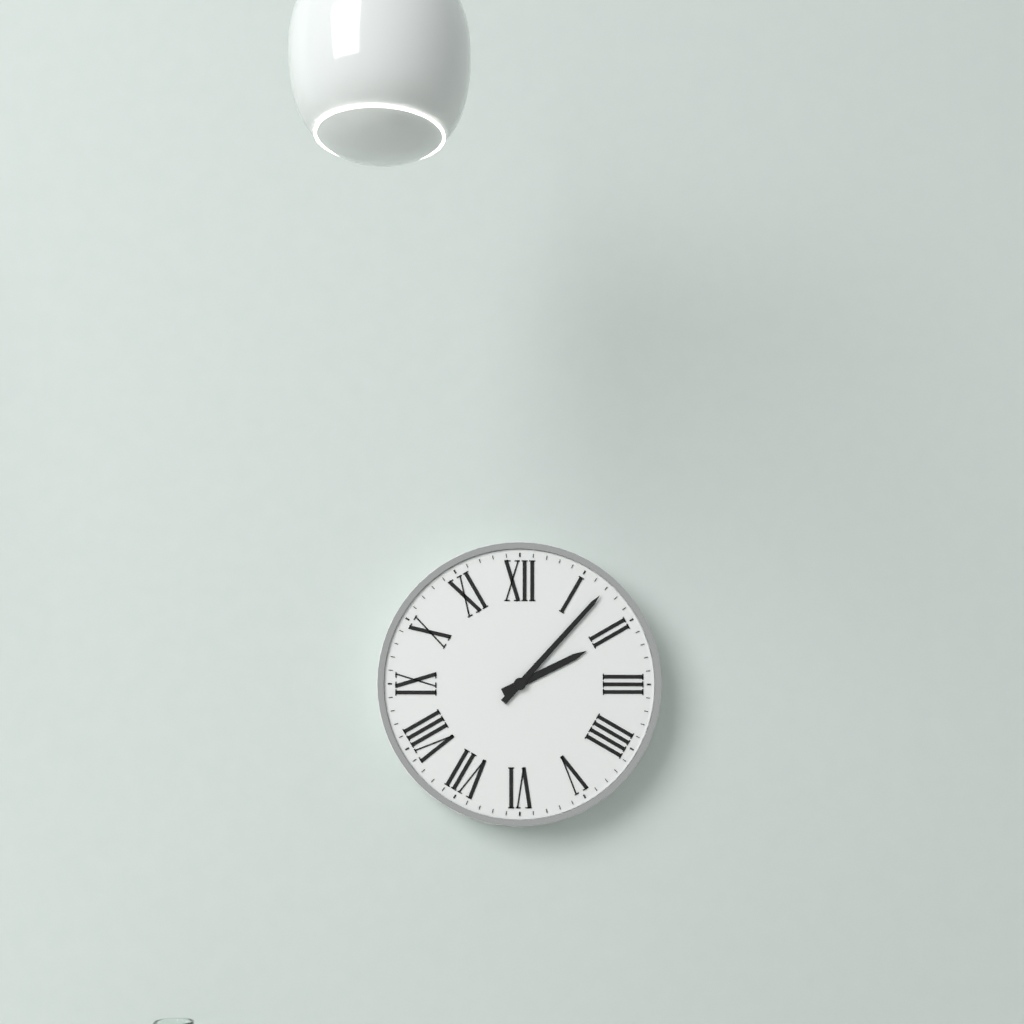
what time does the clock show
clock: 2:07
